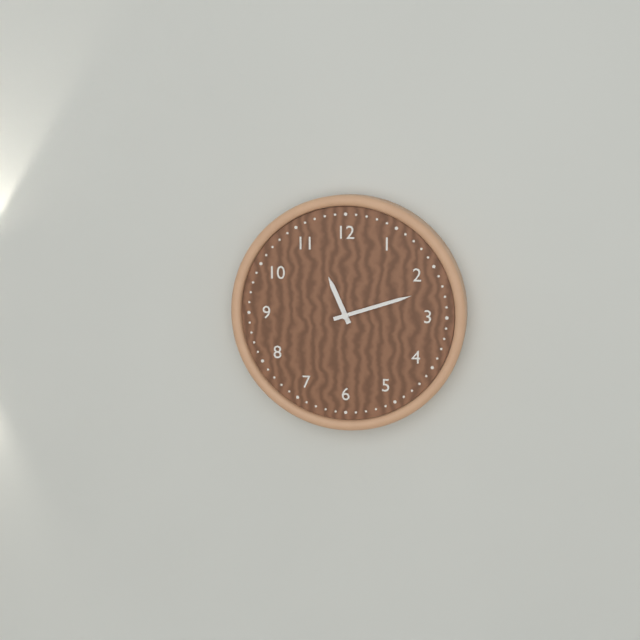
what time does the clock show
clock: 11:12
